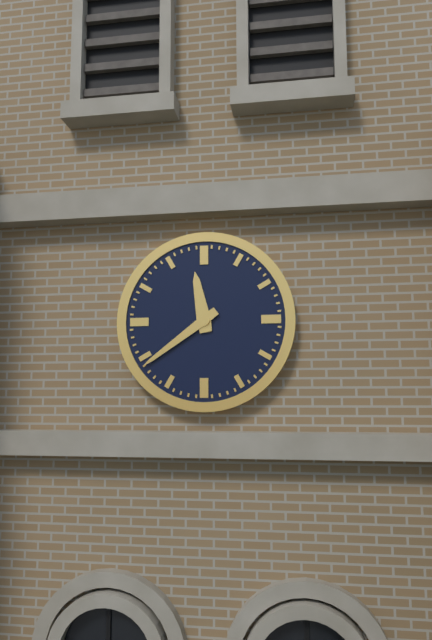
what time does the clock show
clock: 11:39
